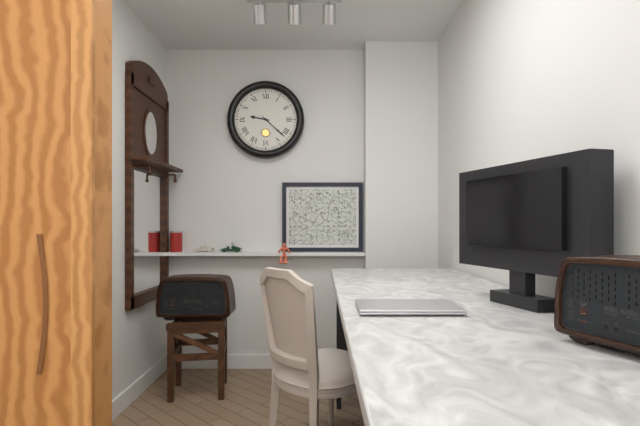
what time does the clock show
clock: 9:22
